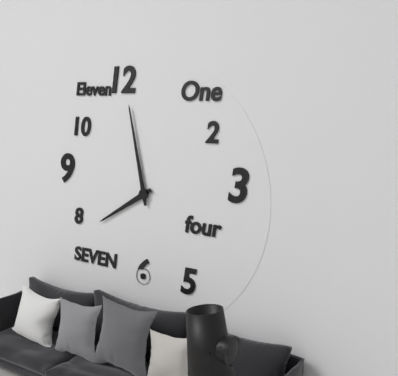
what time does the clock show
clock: 7:58
